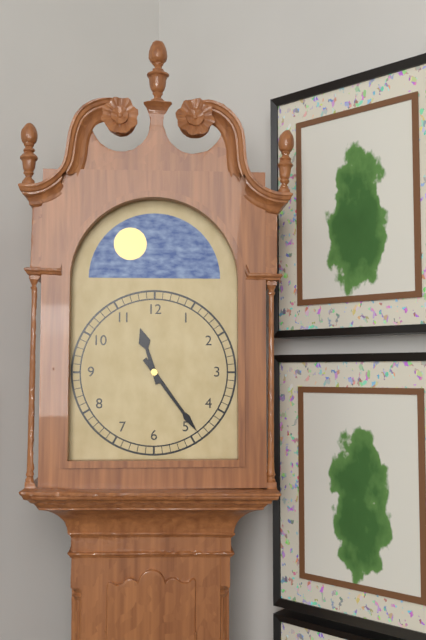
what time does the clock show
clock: 11:24
